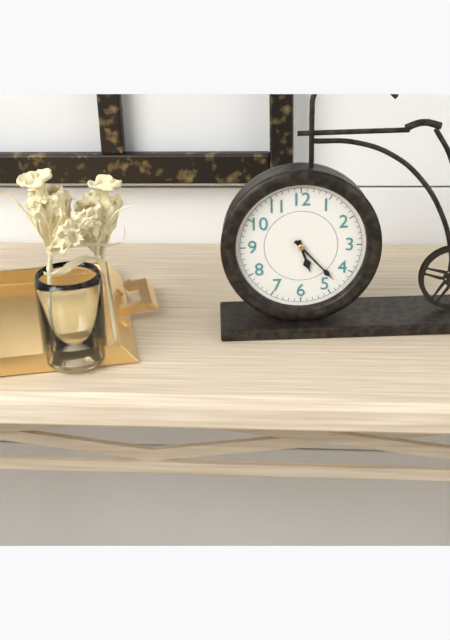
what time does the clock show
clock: 5:23
